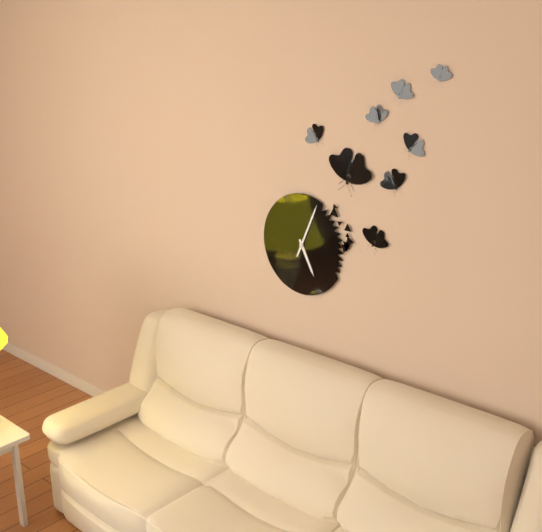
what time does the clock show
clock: 5:04
